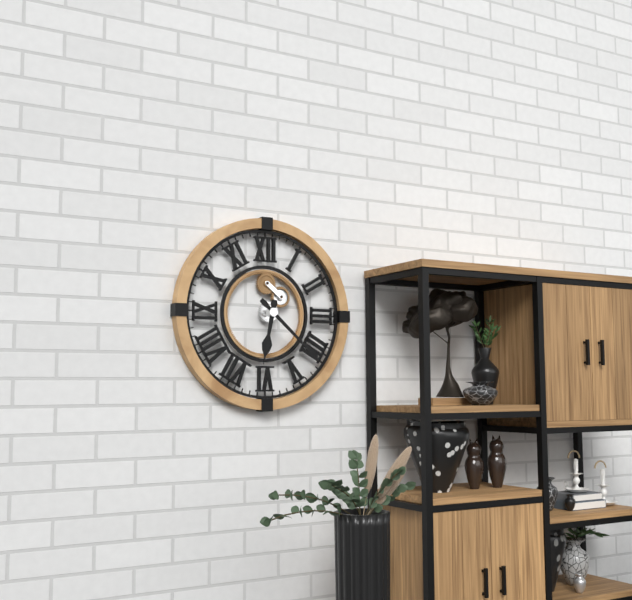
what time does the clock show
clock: 6:22
